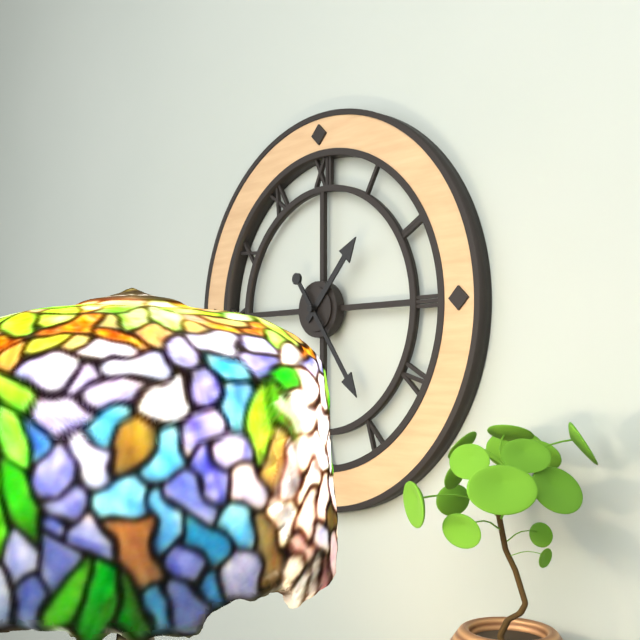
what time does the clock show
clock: 1:24
